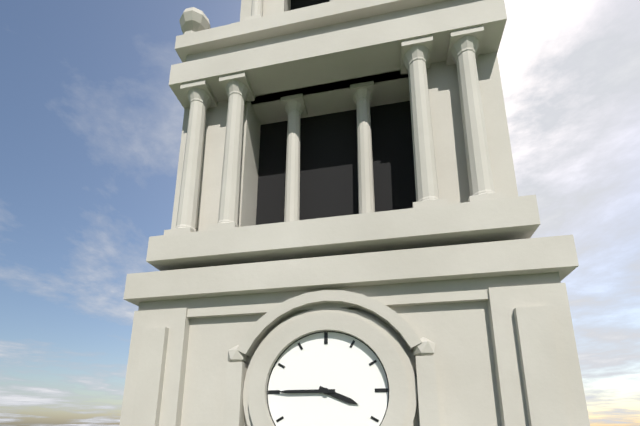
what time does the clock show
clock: 3:45
